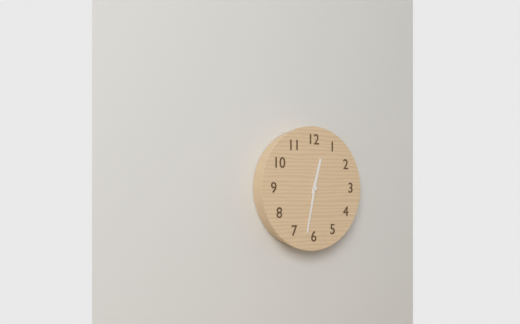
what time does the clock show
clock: 12:32
